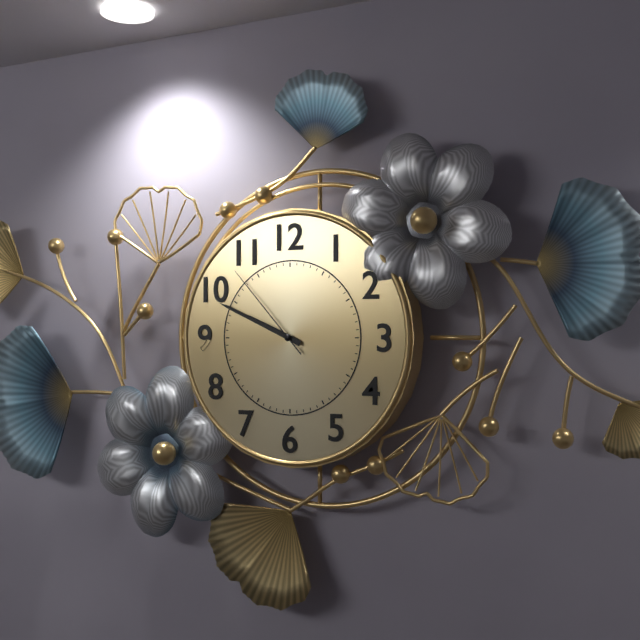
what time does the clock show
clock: 9:49:53
